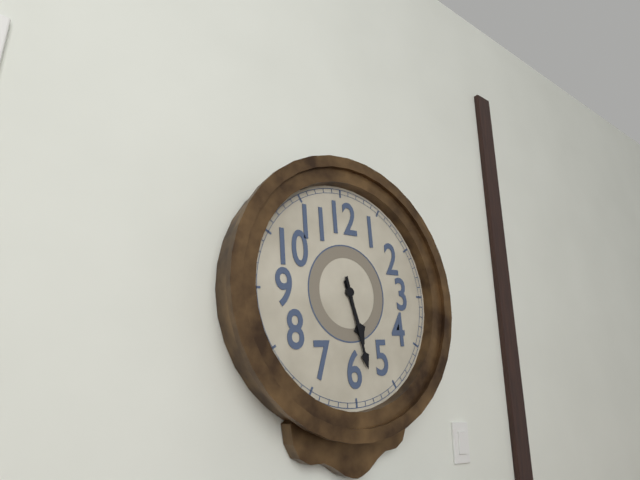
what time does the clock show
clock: 5:28
